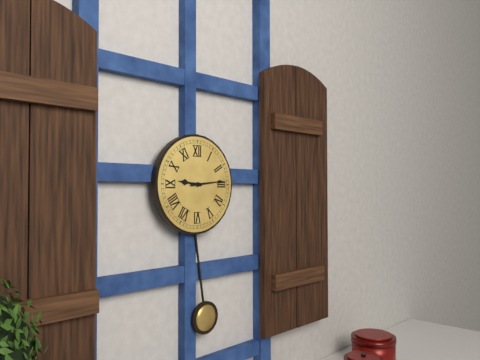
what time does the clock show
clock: 9:14
